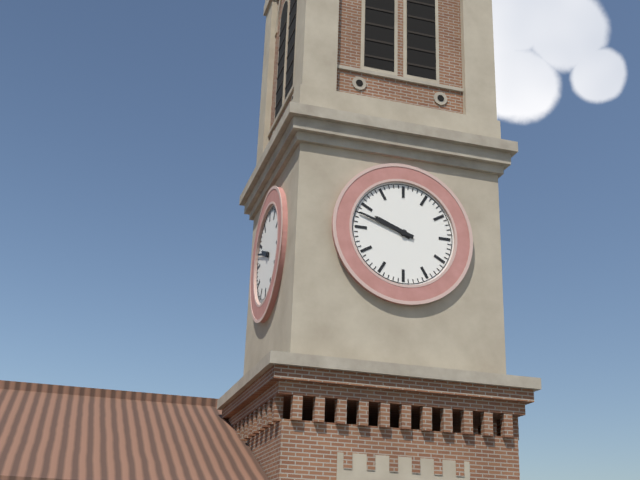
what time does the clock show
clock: 9:48
